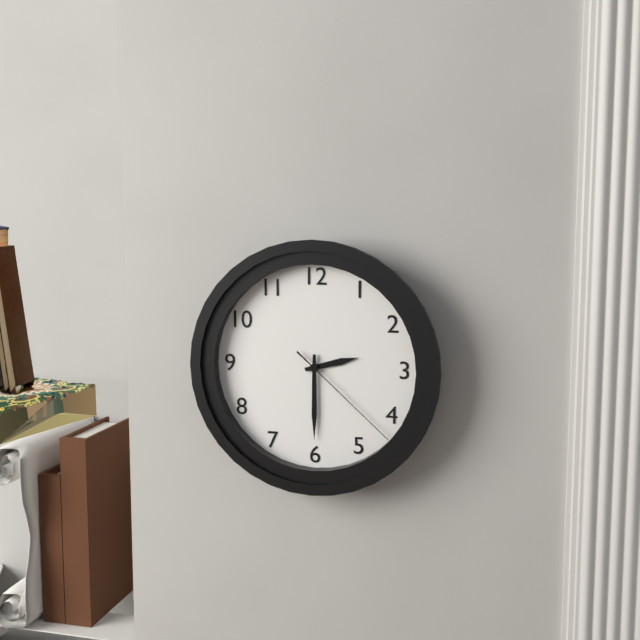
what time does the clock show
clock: 2:30:22
